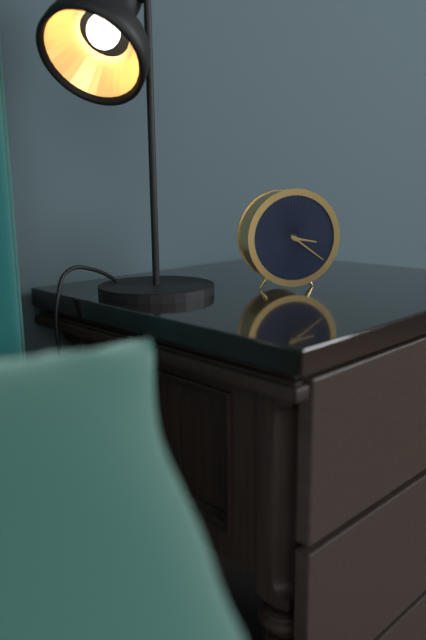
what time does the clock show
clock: 3:21
